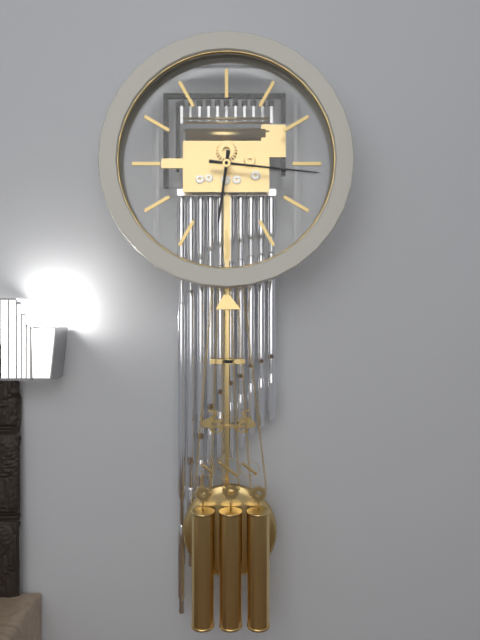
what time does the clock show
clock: 6:16
